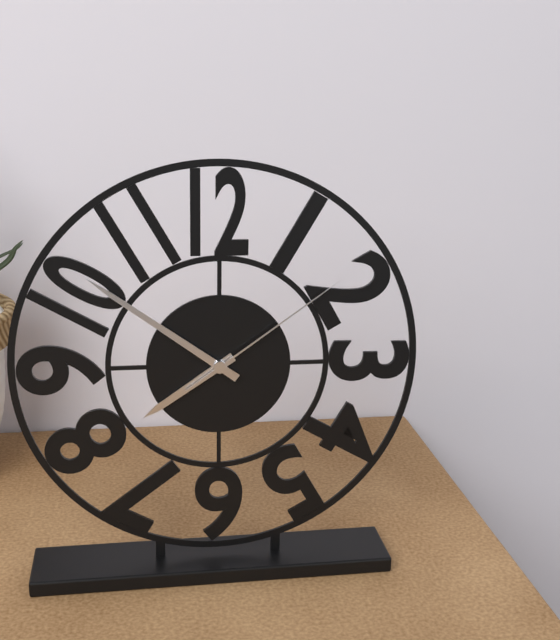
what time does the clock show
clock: 7:51:09
